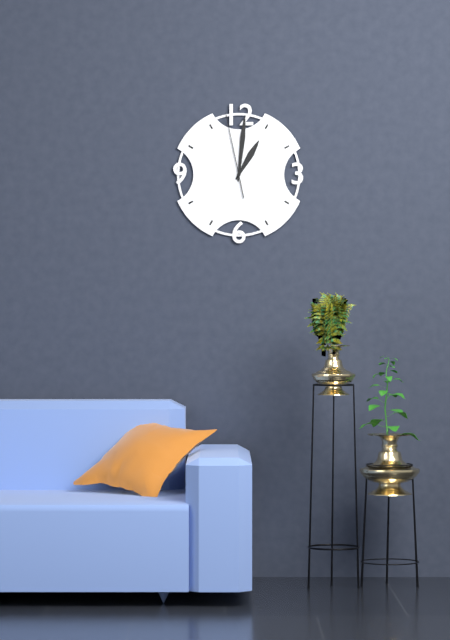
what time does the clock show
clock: 1:01:58
